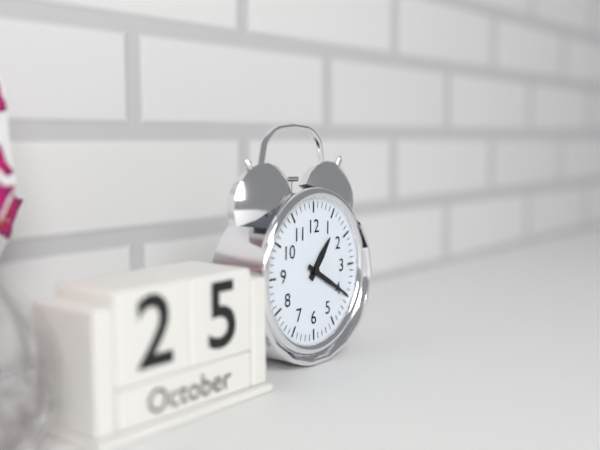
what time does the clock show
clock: 1:20
